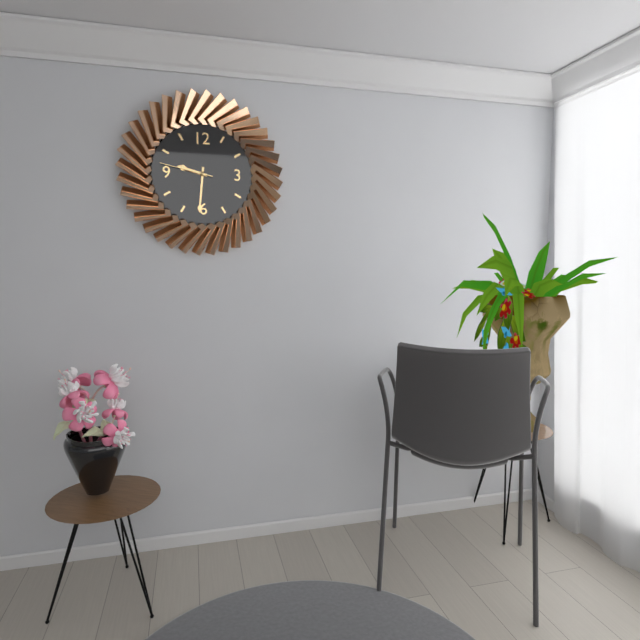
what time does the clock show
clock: 9:31:47
